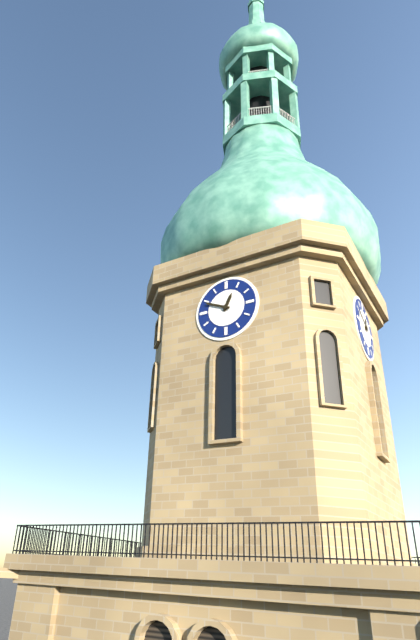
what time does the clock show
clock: 12:49
